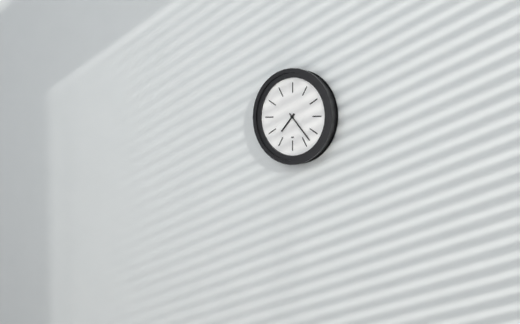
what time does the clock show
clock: 7:23
